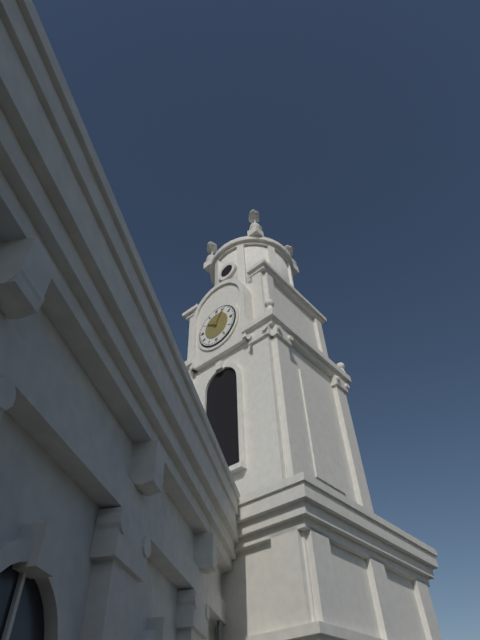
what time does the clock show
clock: 10:05
